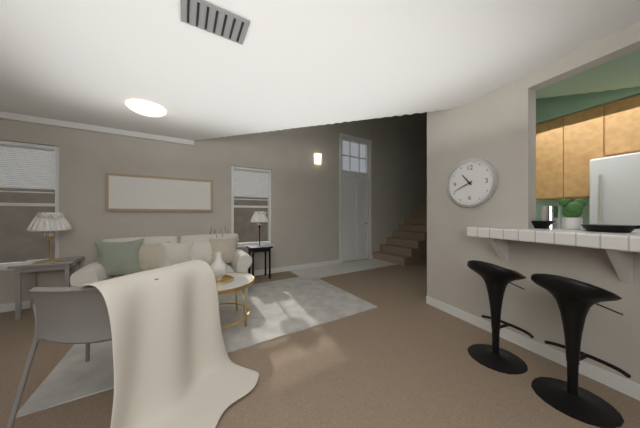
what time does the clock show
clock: 10:41
